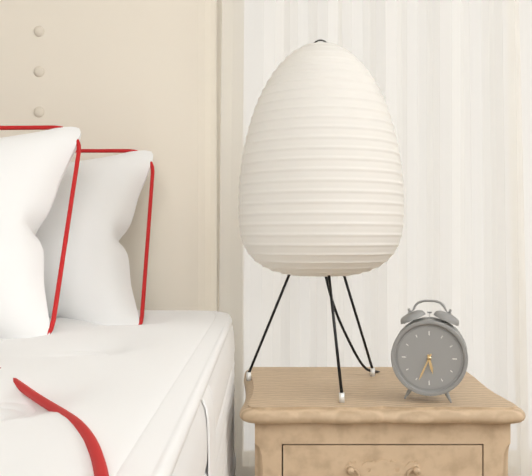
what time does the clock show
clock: 5:34
